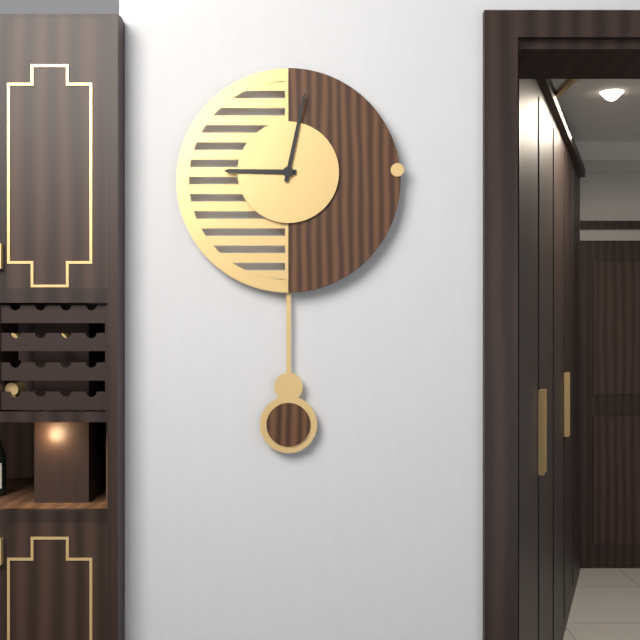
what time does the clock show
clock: 9:02
